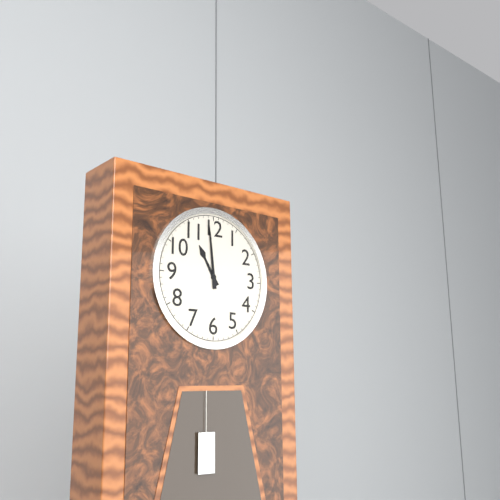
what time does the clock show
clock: 10:59
